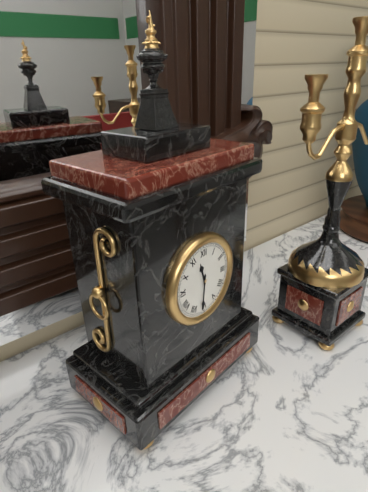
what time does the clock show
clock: 11:31
